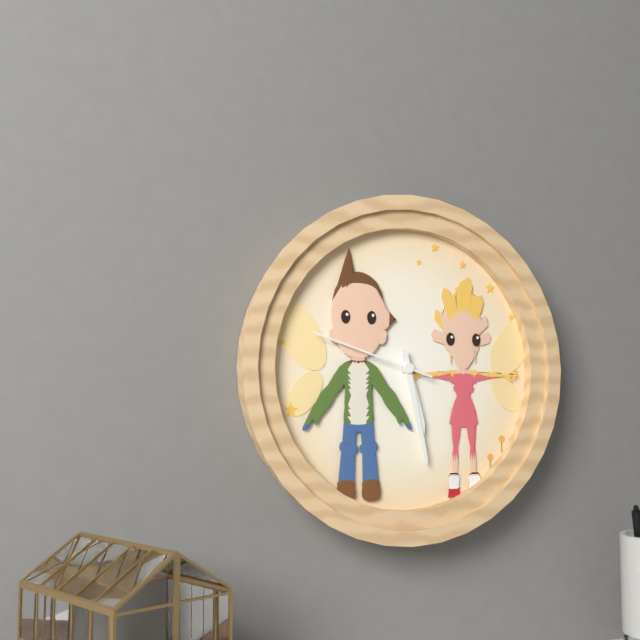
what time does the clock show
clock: 5:28:48
